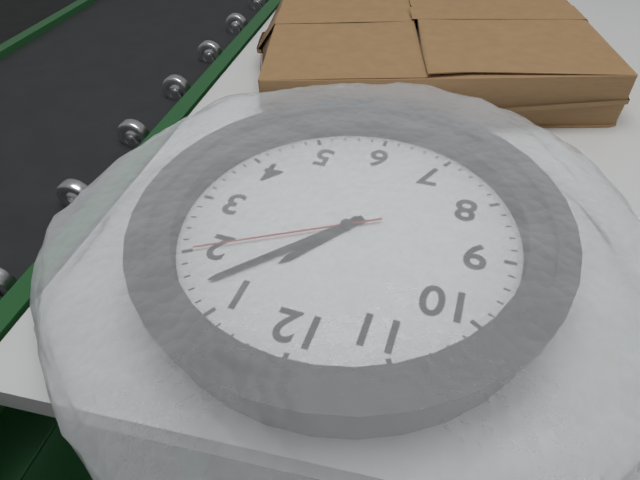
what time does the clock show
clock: 1:07:10
